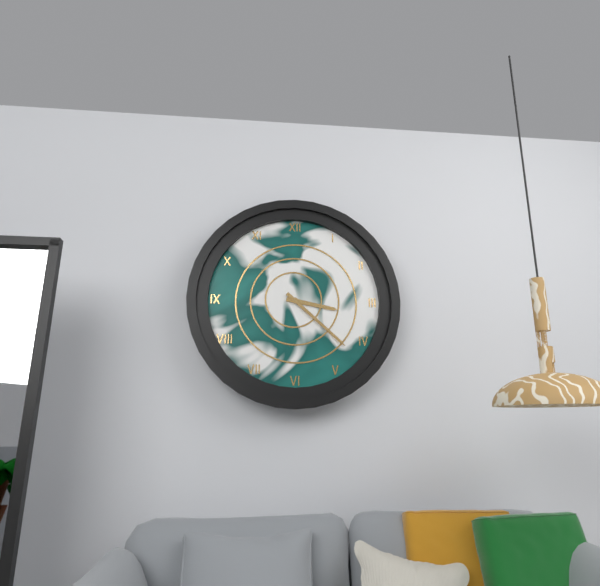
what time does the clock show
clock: 3:22
